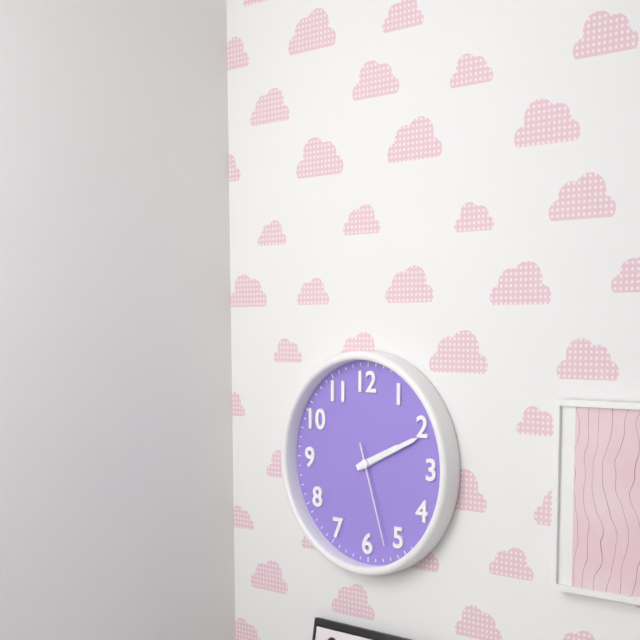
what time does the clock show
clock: 2:11:27
